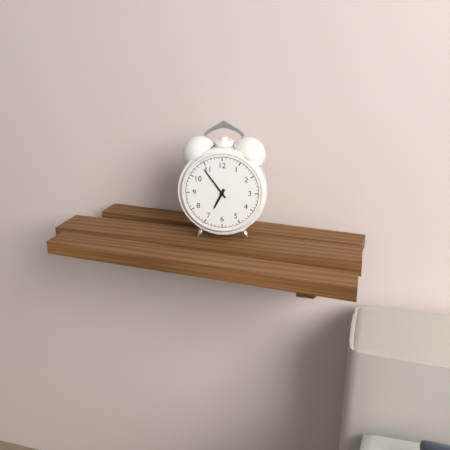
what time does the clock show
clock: 6:54
